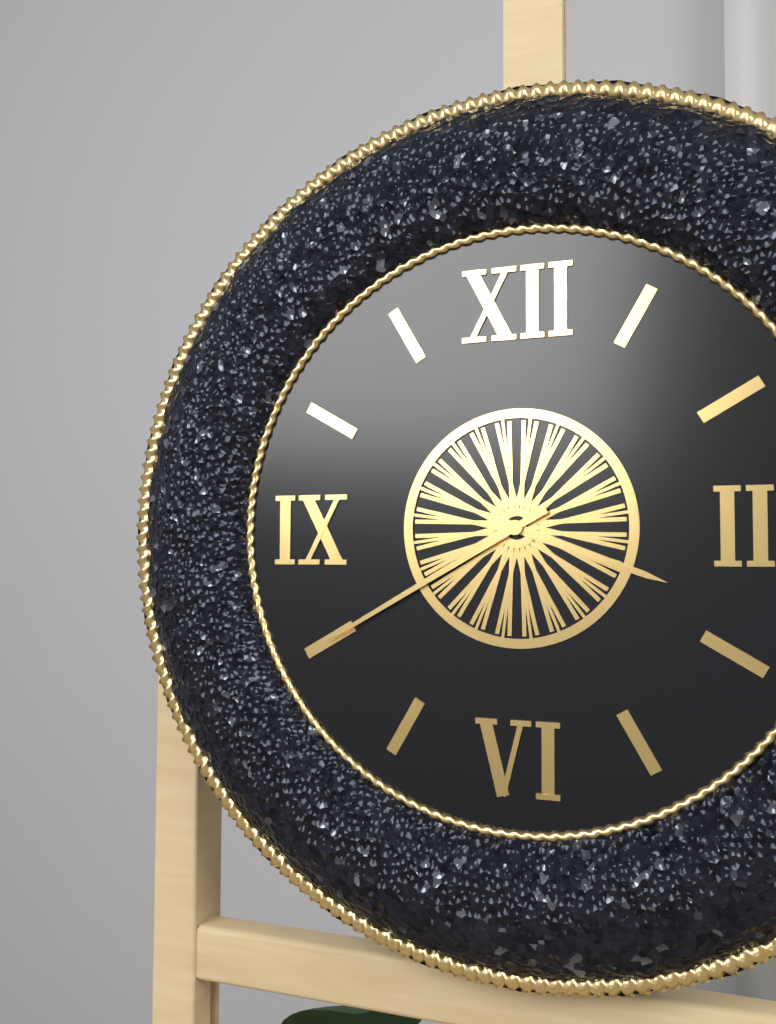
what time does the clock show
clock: 3:40
